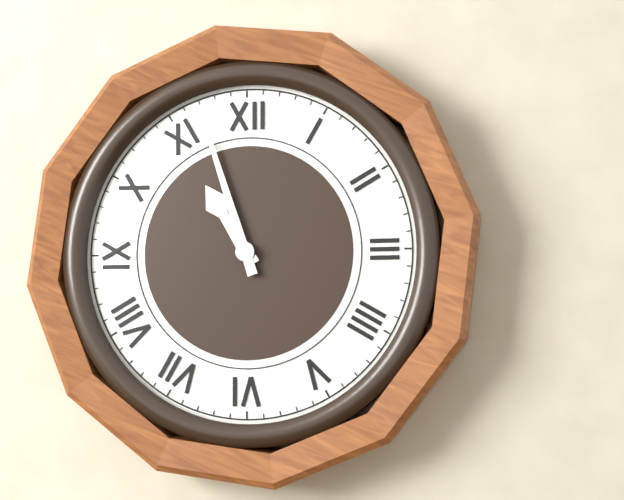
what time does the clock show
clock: 10:57
